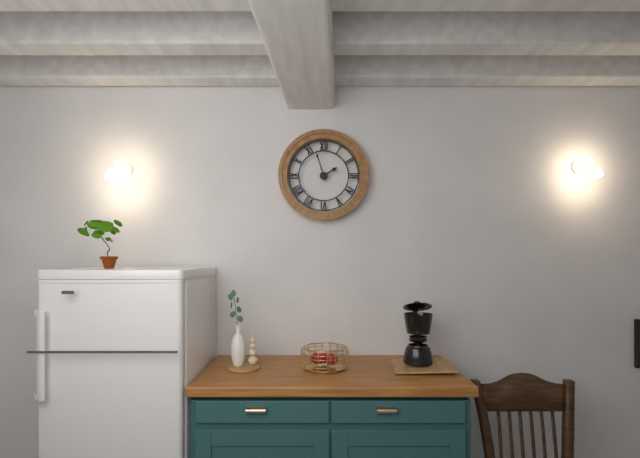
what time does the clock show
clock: 1:57
